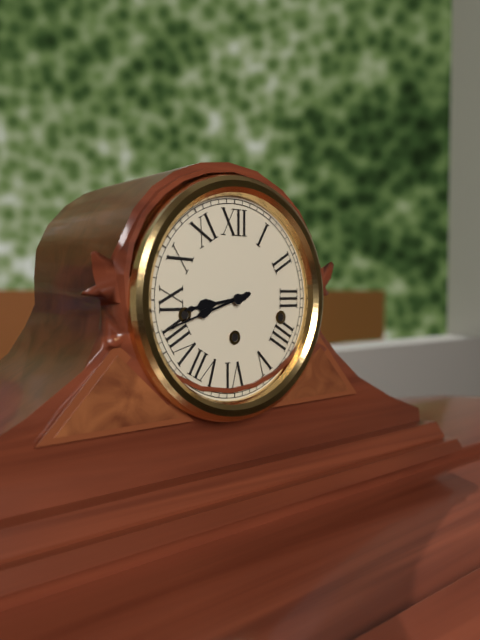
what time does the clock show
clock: 8:42
